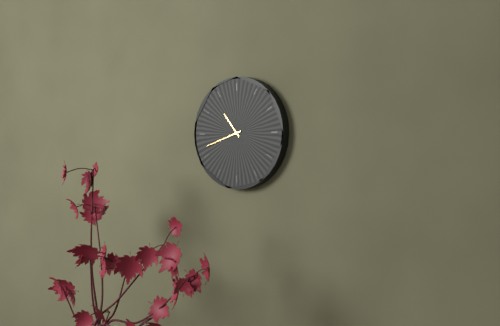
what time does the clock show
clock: 10:42
